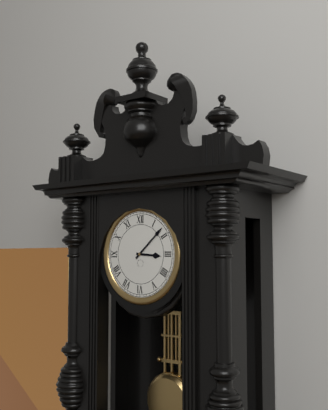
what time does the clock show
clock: 3:08
